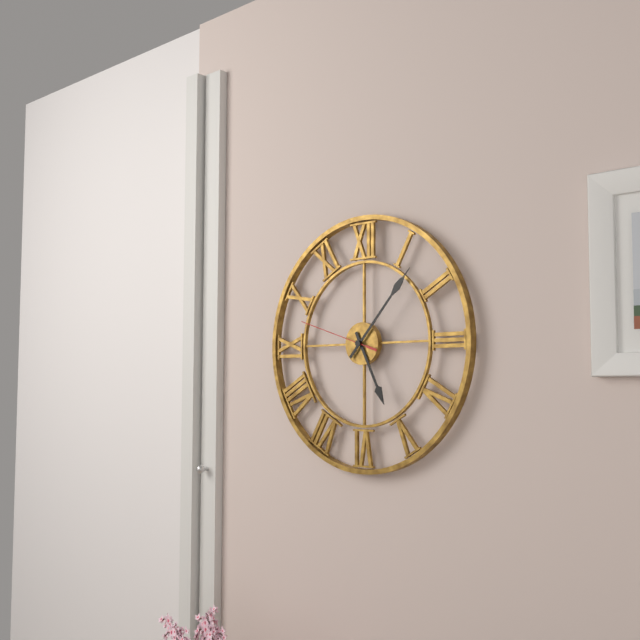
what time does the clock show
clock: 5:07:48
